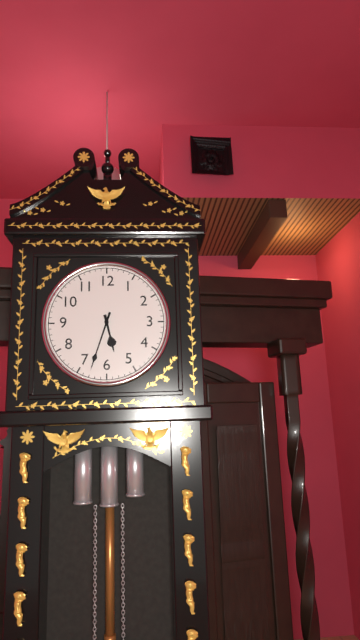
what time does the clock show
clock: 5:33
